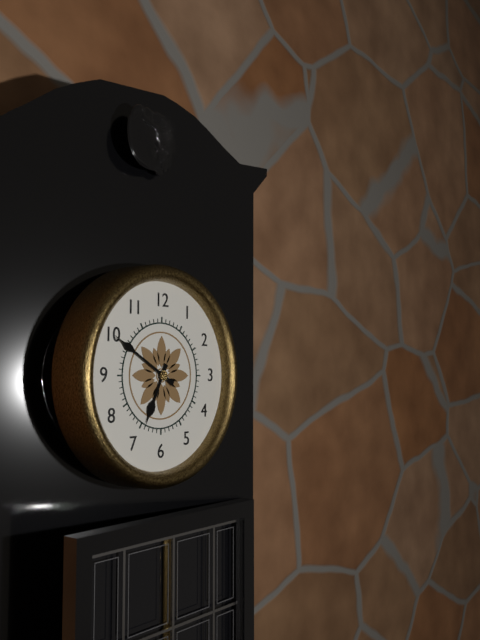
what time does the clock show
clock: 6:50
